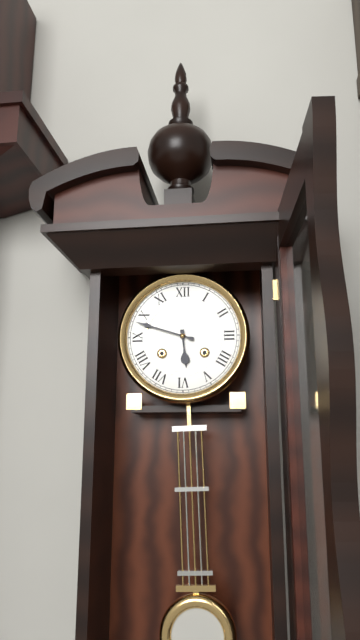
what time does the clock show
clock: 5:48
